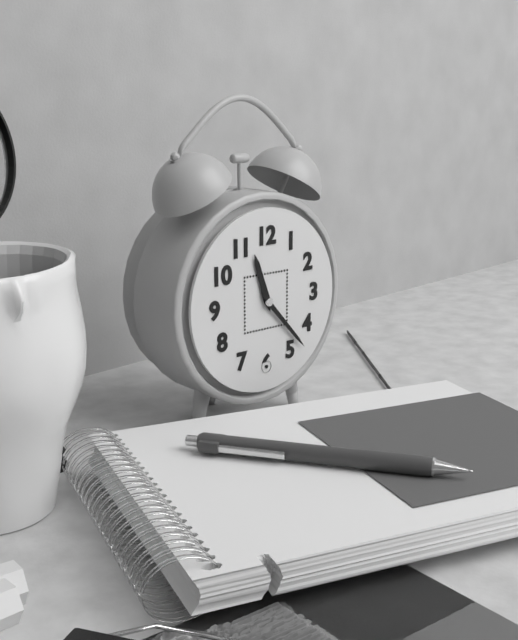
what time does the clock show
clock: 11:23
